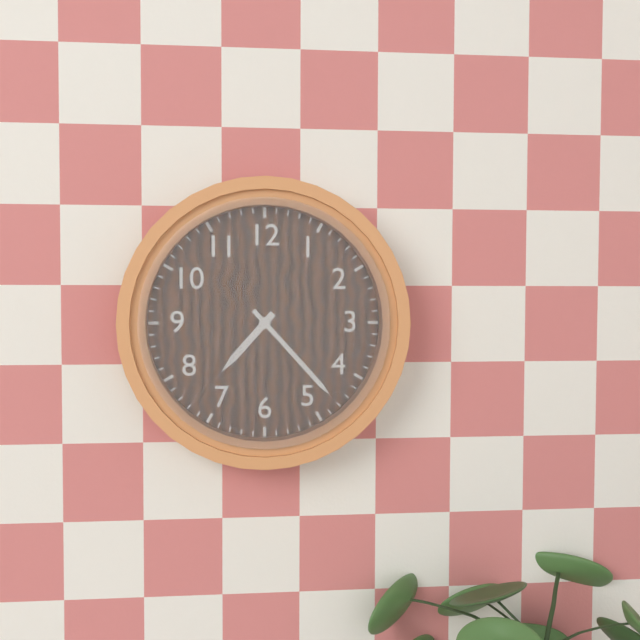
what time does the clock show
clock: 7:23
